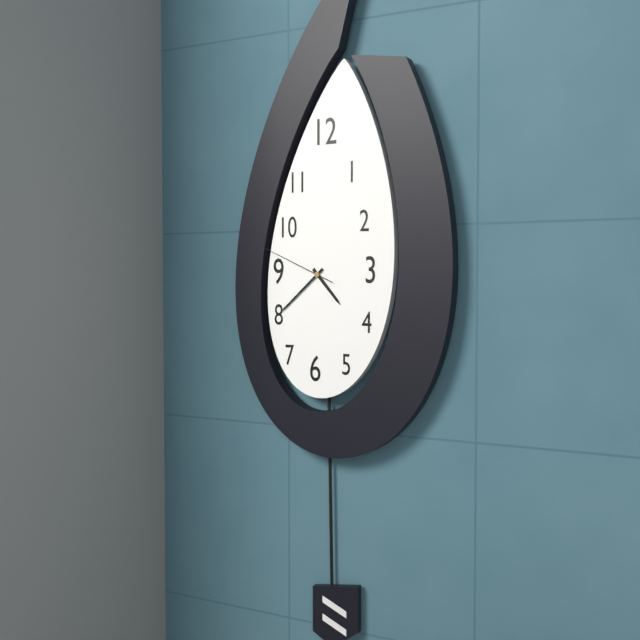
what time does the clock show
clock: 4:38:49
